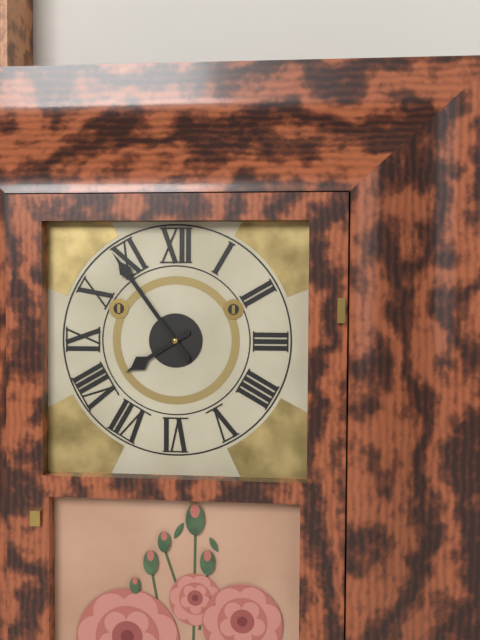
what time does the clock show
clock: 7:54
